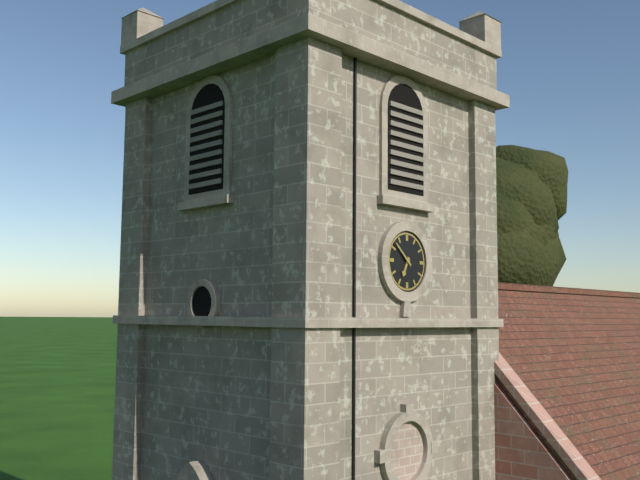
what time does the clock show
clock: 6:52
